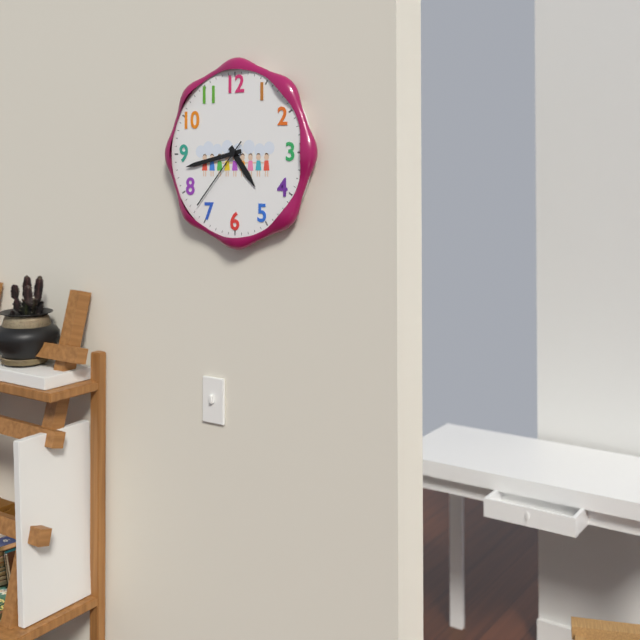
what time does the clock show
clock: 4:43:37
